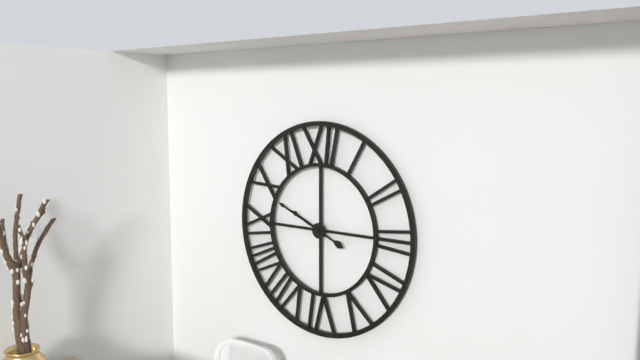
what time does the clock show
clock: 9:49
